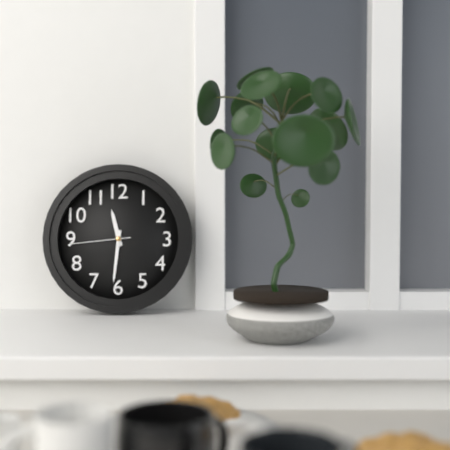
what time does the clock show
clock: 11:31:44
